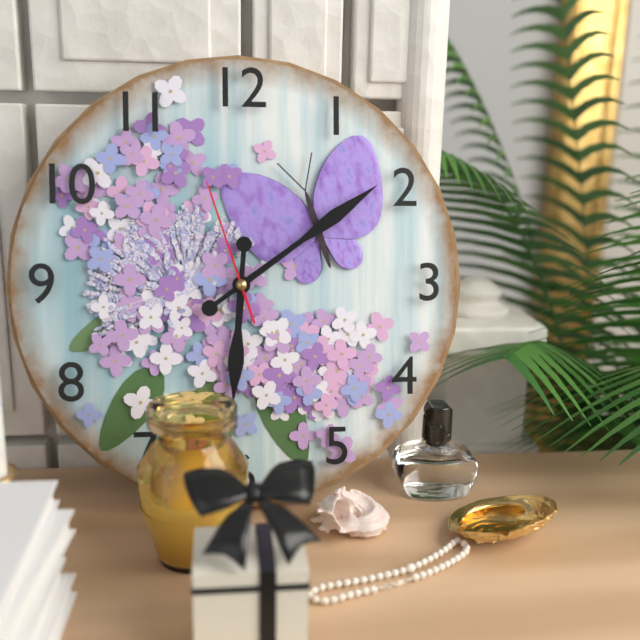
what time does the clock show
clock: 6:09:57
